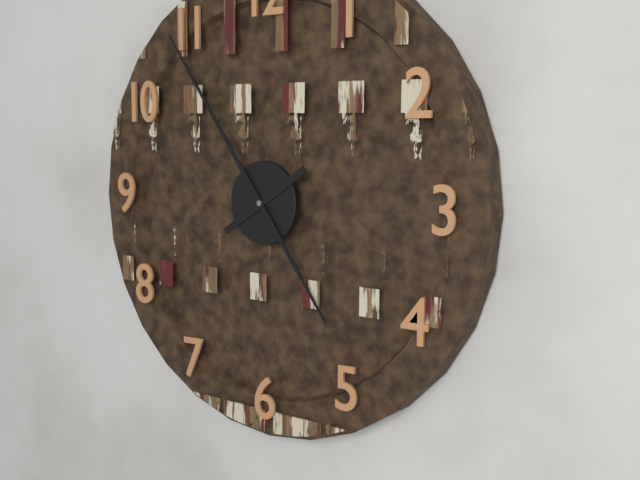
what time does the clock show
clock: 1:54
